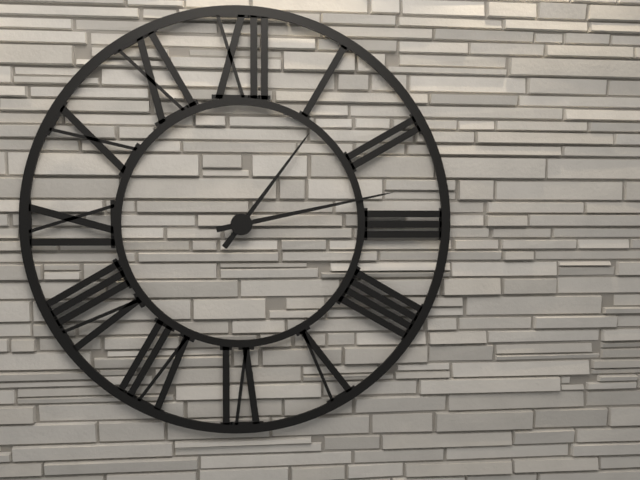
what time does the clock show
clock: 1:13
